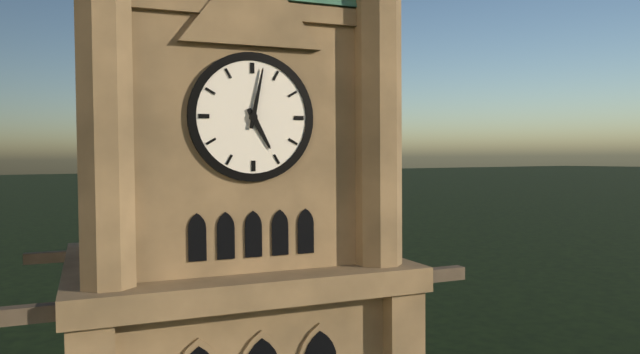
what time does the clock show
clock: 5:02
